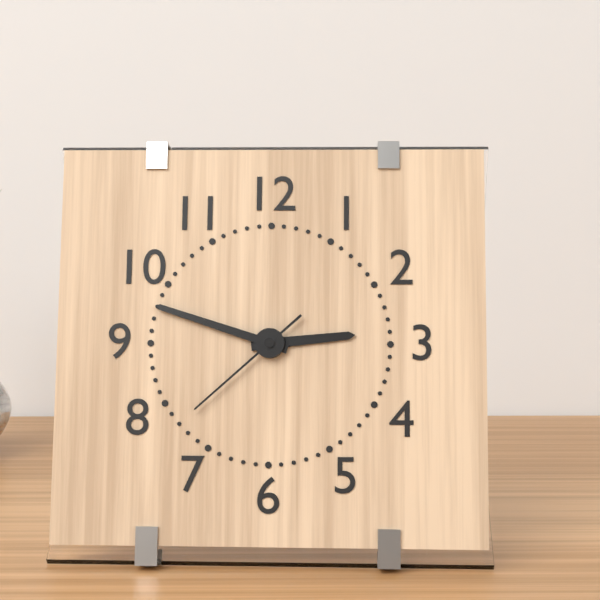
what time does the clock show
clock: 2:48:38
